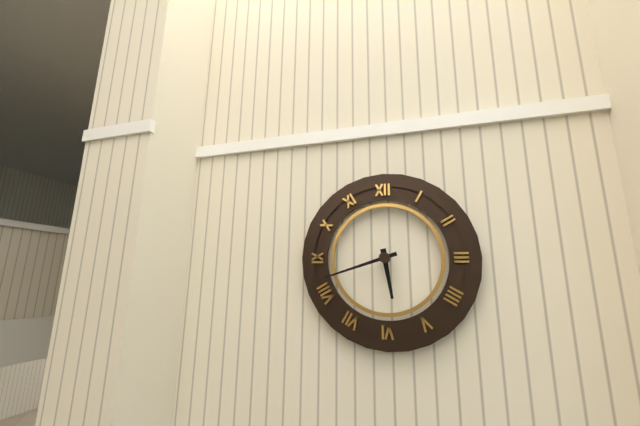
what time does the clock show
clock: 5:42
